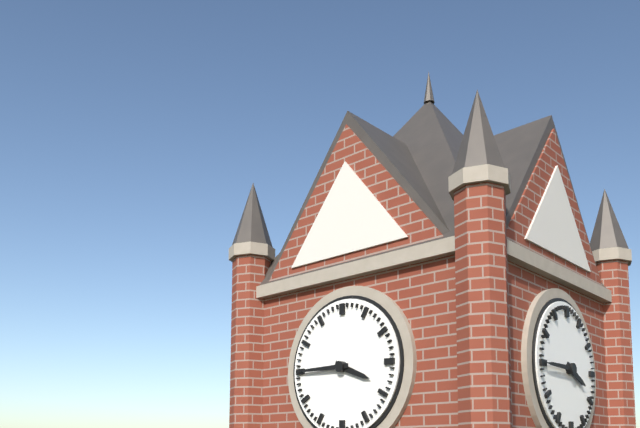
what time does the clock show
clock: 3:45
